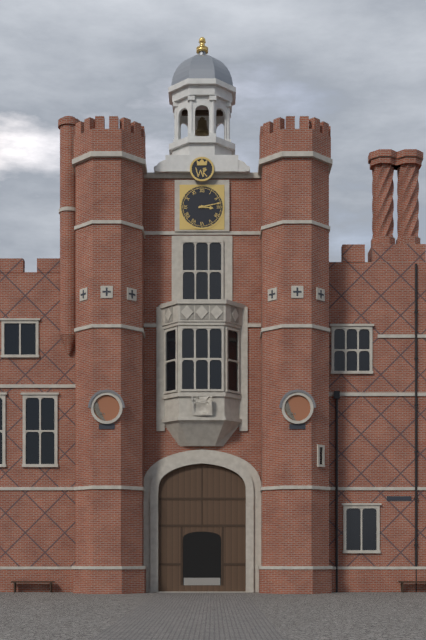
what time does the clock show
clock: 3:13
